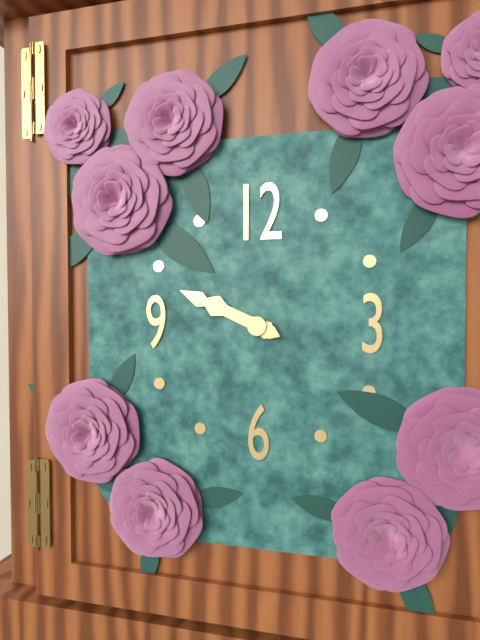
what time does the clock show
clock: 9:49
